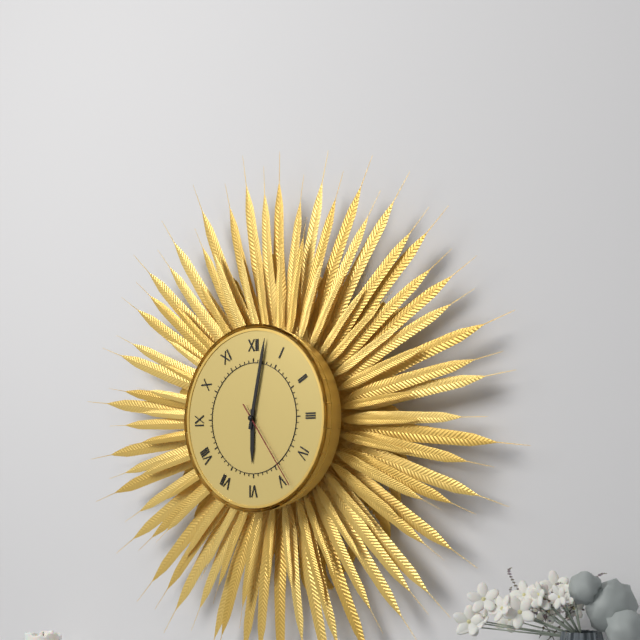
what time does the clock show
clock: 6:02:24
